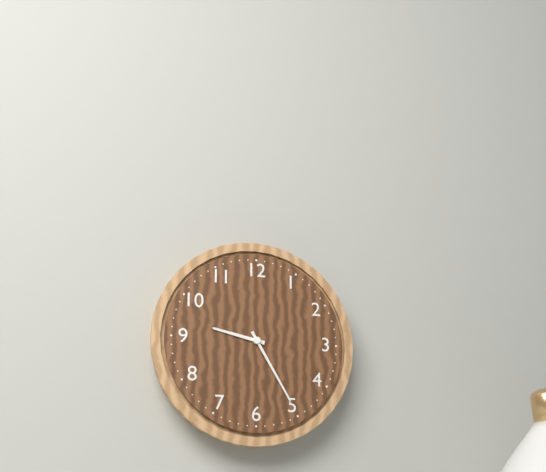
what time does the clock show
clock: 9:25
